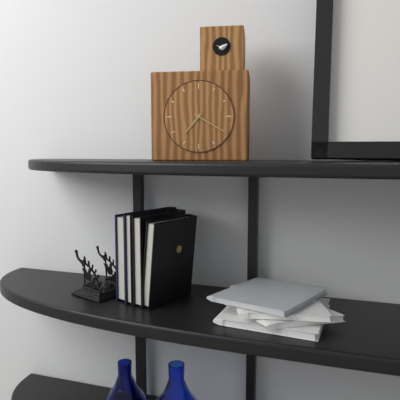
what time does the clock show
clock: 7:20
